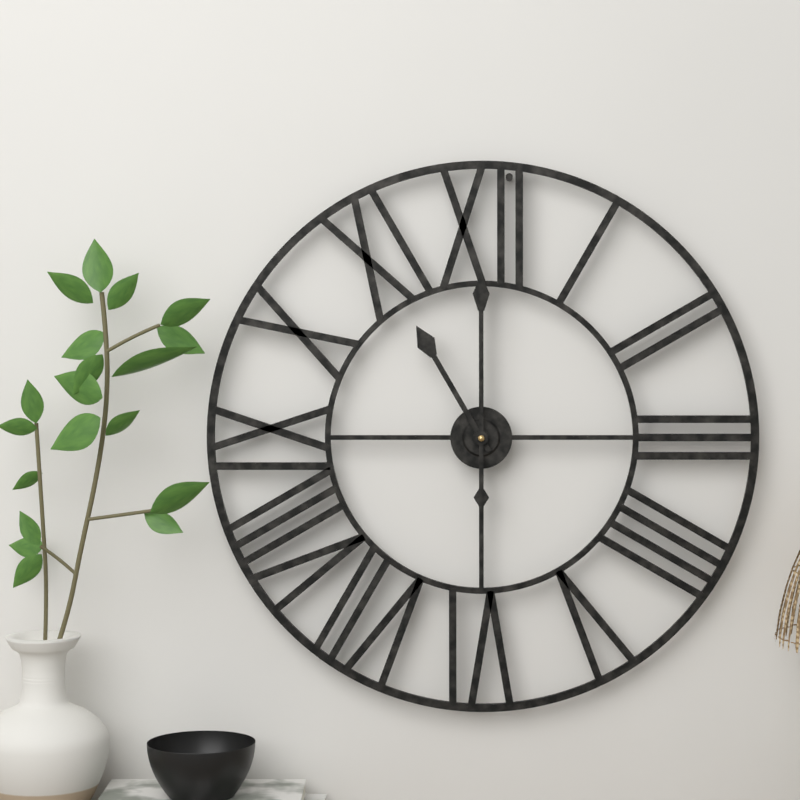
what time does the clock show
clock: 11:00
